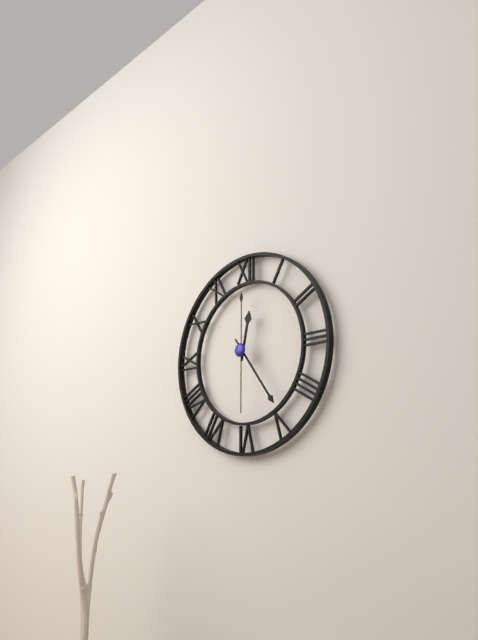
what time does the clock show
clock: 12:24:30
